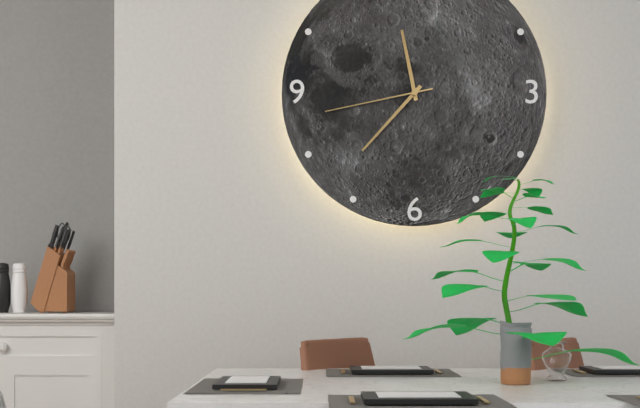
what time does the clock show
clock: 11:37:43
